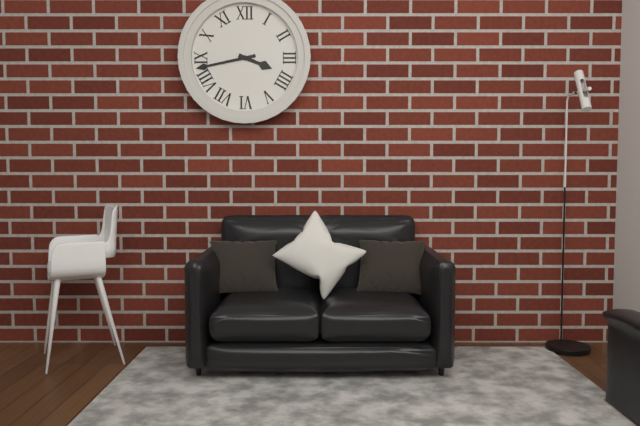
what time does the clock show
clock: 3:43
